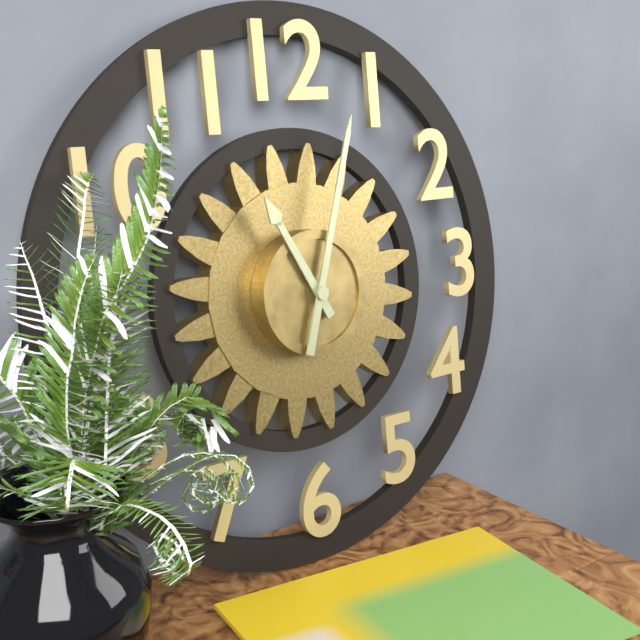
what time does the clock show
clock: 11:03
